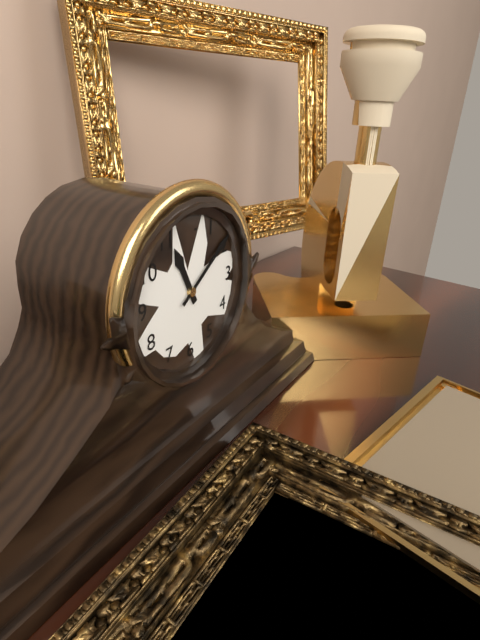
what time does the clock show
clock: 11:09
